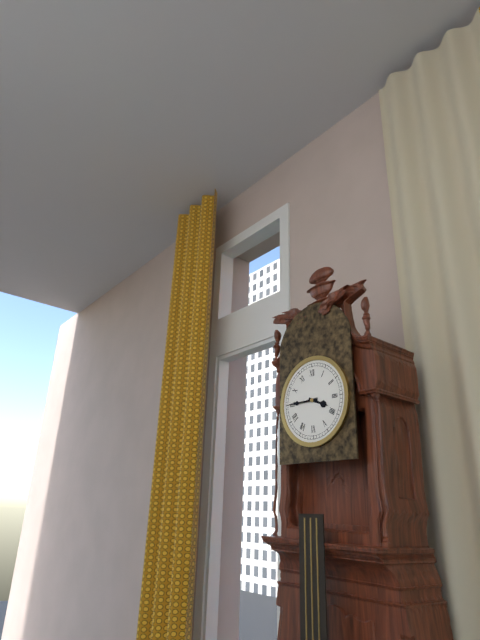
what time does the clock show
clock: 3:45
